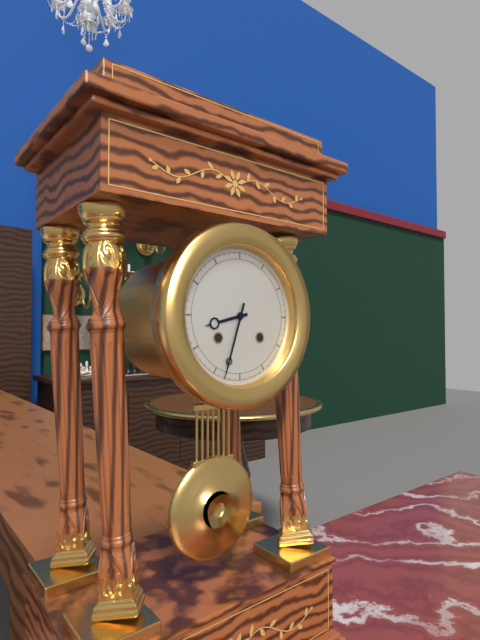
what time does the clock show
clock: 8:33
